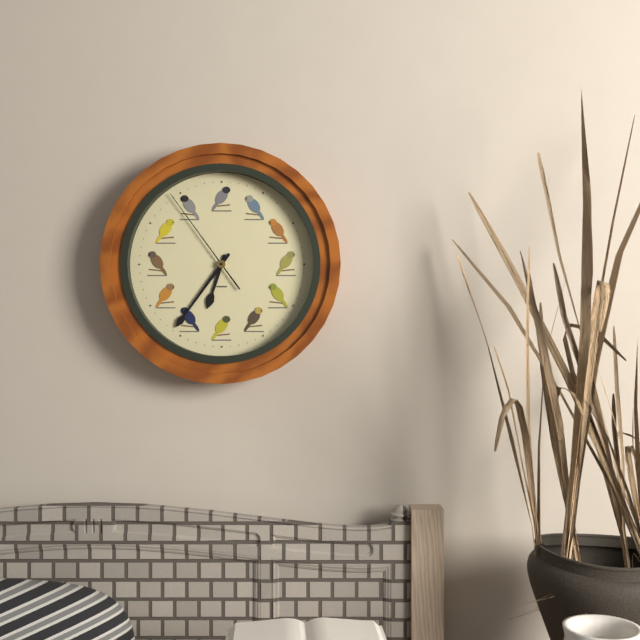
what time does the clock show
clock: 6:36:54
